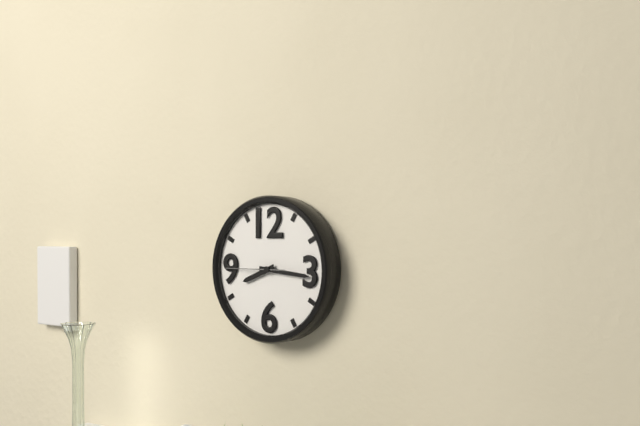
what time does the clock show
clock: 8:16:45
